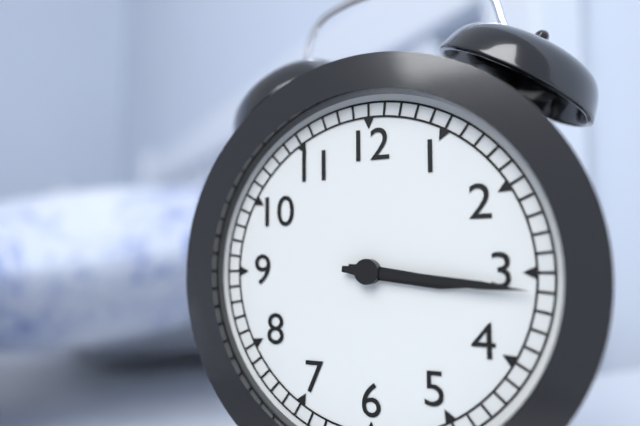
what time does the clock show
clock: 3:16
